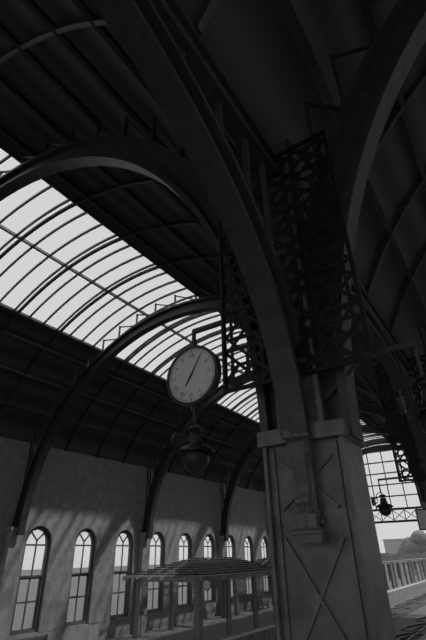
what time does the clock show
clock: 7:05
